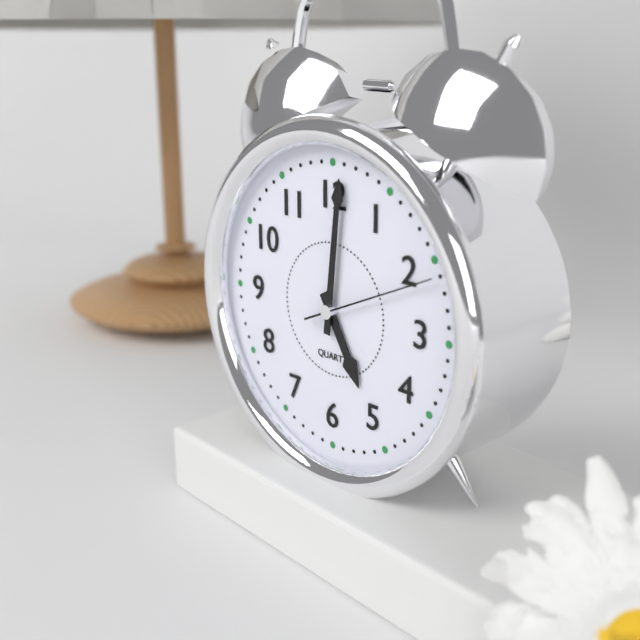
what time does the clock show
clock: 5:01:11
